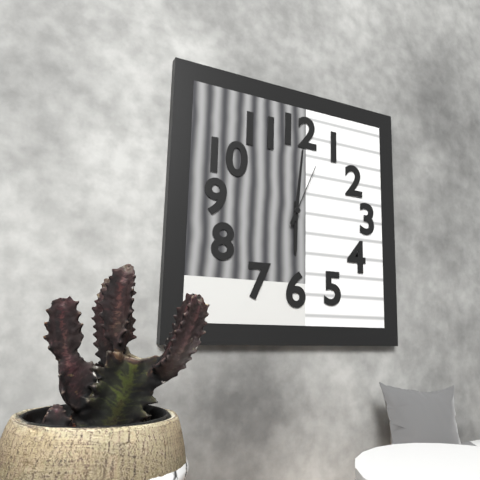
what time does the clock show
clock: 6:01:04
